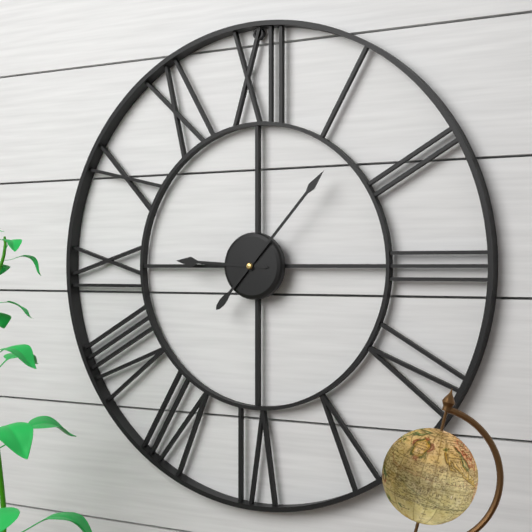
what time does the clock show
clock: 9:07
